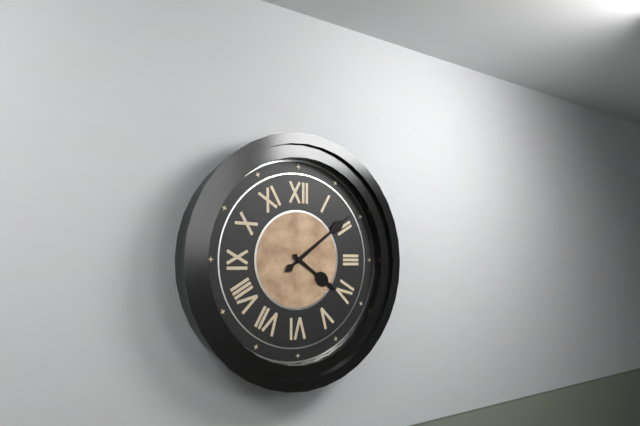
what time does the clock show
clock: 4:09
